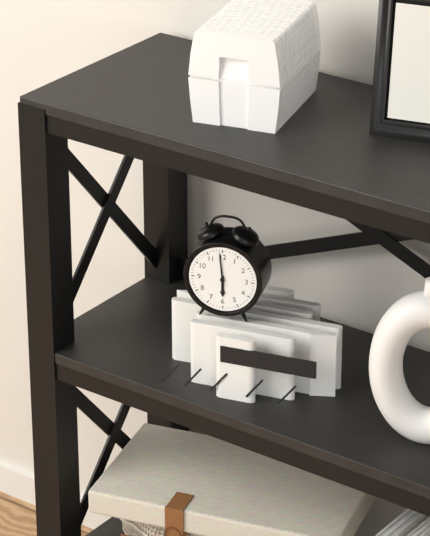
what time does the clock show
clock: 5:59
